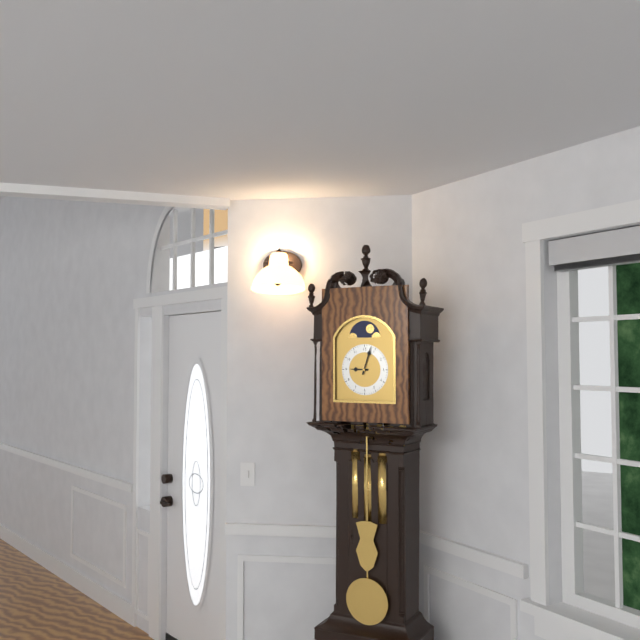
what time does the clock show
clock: 9:03
